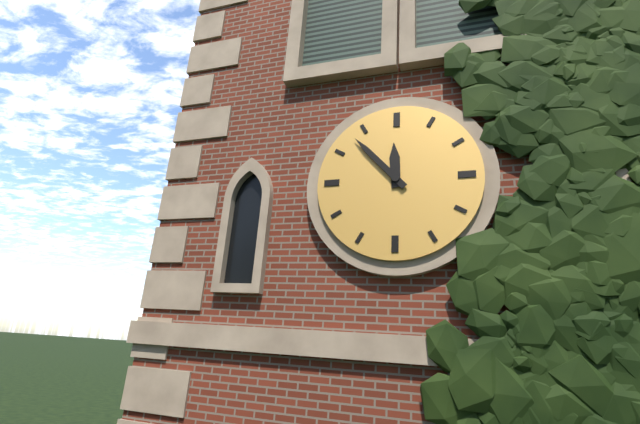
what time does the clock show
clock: 11:53
